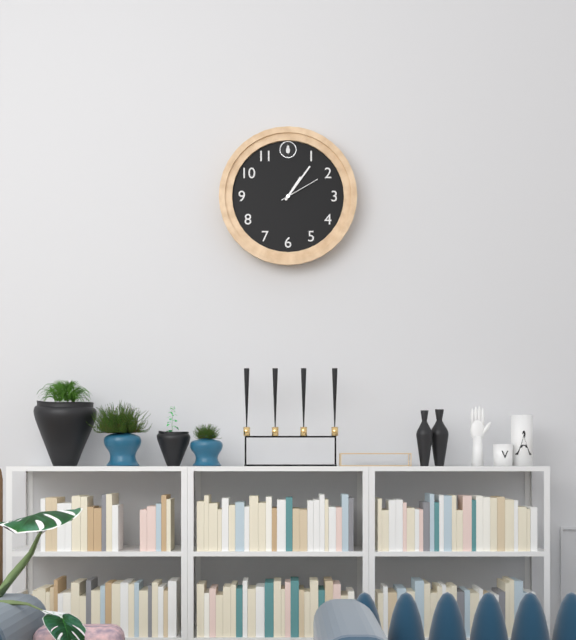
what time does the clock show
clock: 1:06
